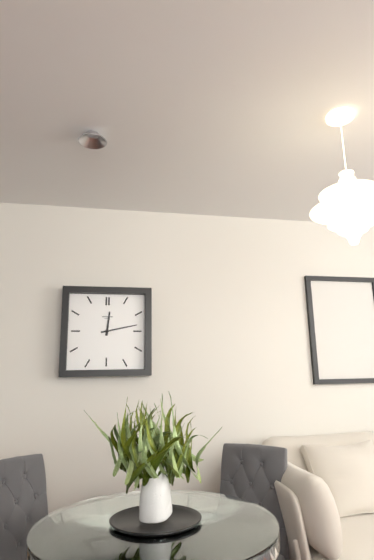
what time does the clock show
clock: 12:13
